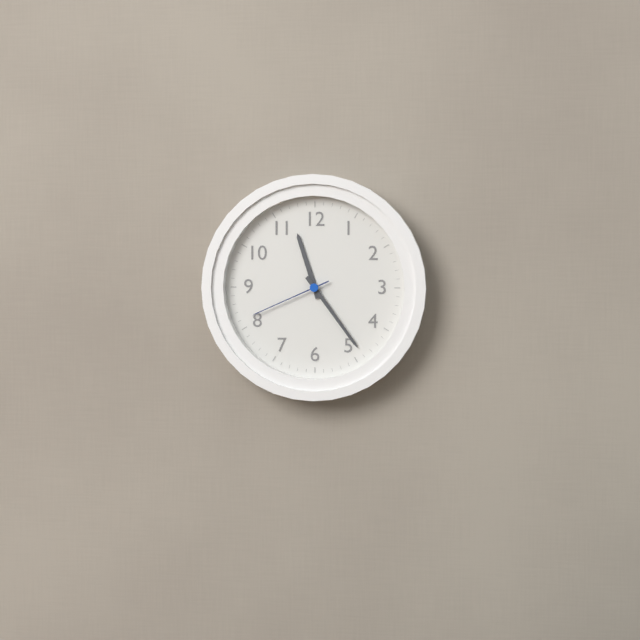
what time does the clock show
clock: 11:24:41
